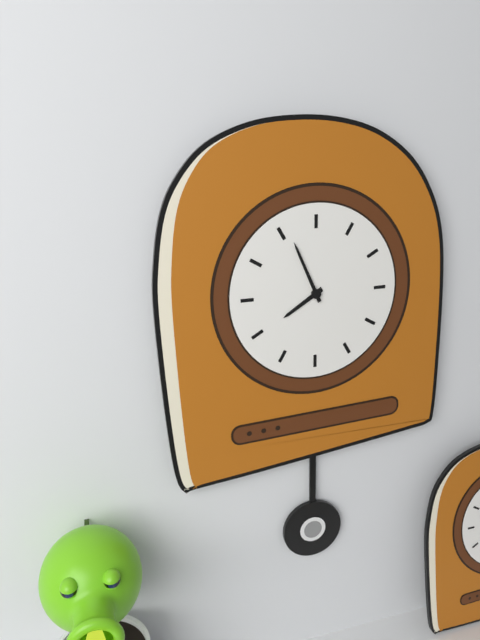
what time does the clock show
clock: 7:56
